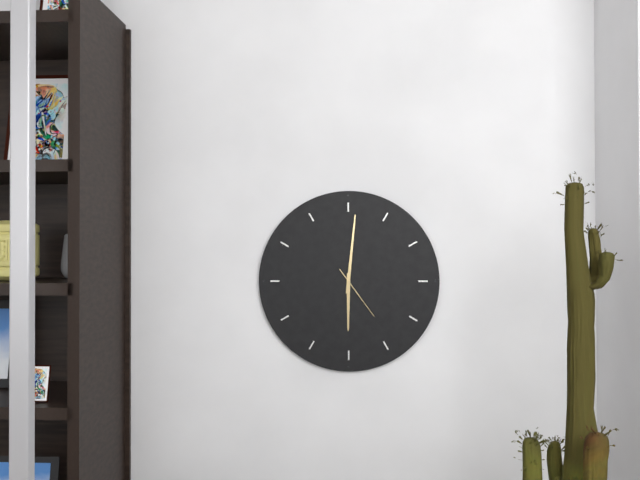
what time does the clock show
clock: 6:01:24
